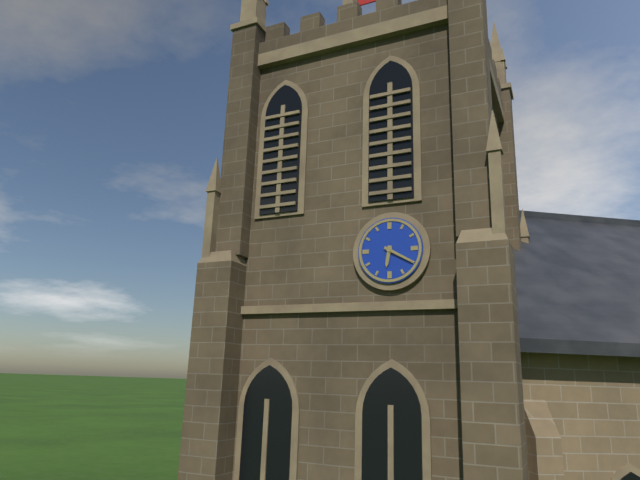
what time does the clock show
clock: 6:20
